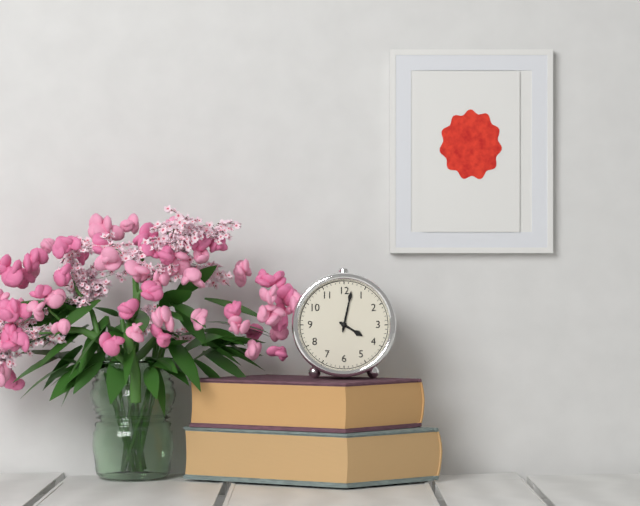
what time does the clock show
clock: 4:02
